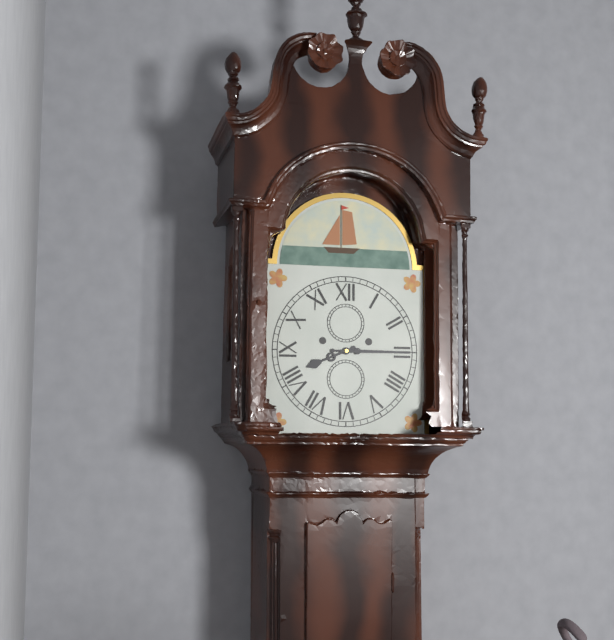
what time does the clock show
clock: 8:15
